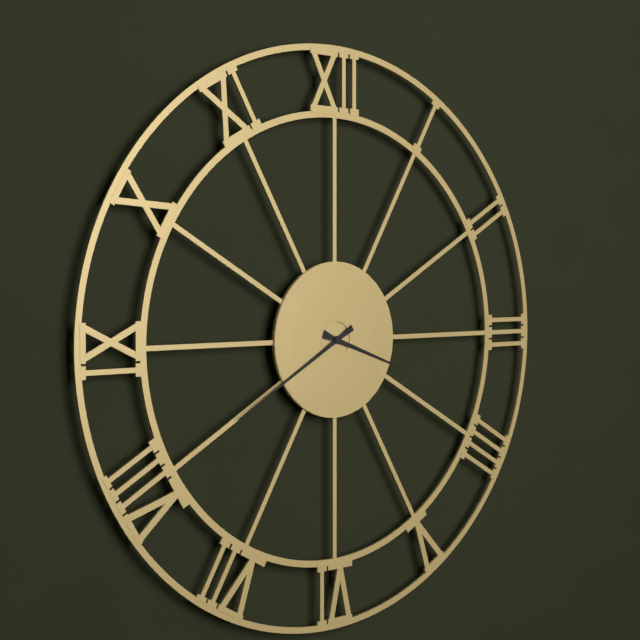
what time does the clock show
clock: 3:40
